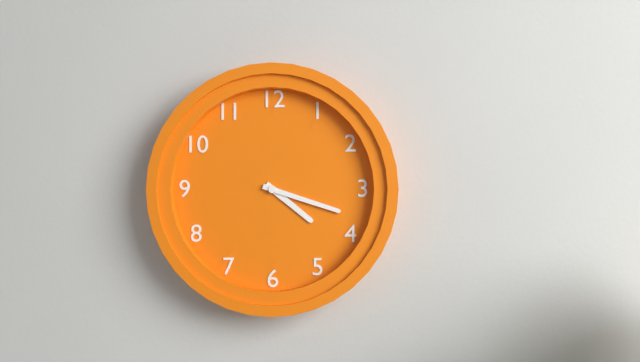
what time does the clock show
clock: 4:18
